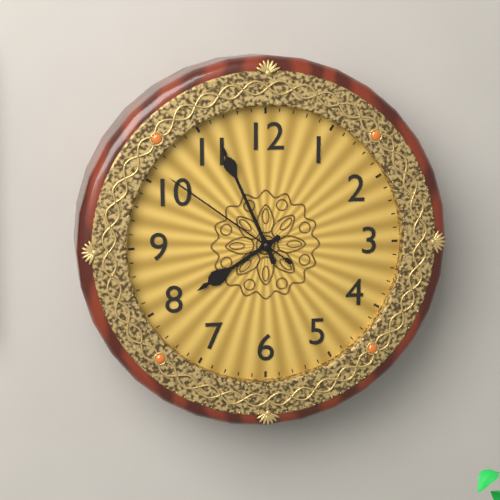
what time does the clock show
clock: 7:56:51
